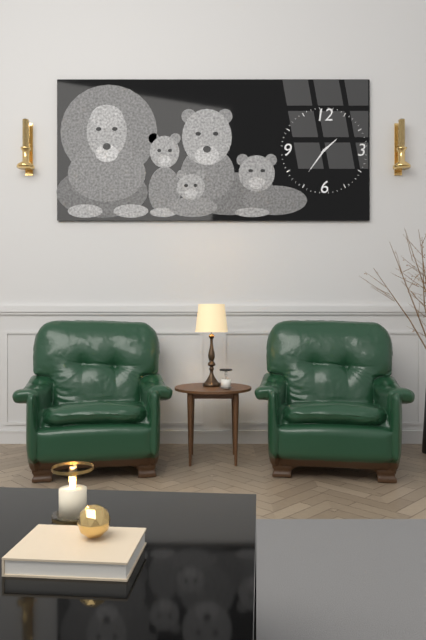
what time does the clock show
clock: 1:36
